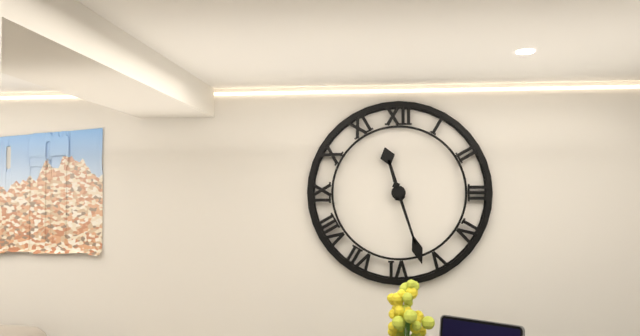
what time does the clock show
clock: 11:27
